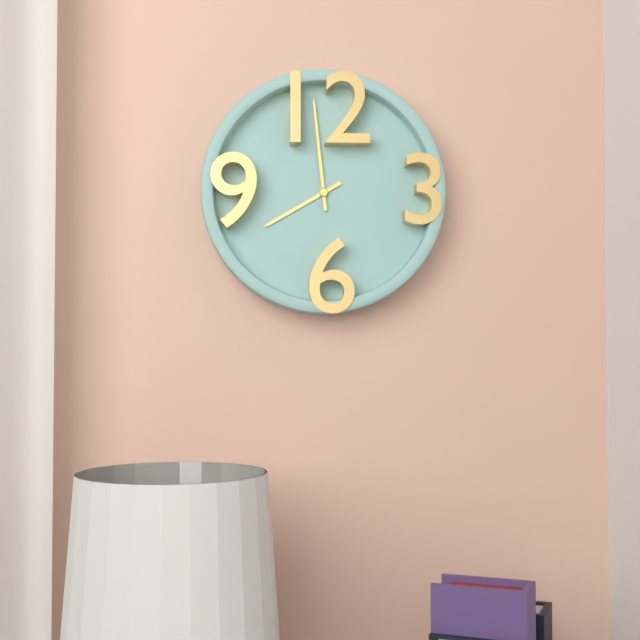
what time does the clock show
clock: 7:59
